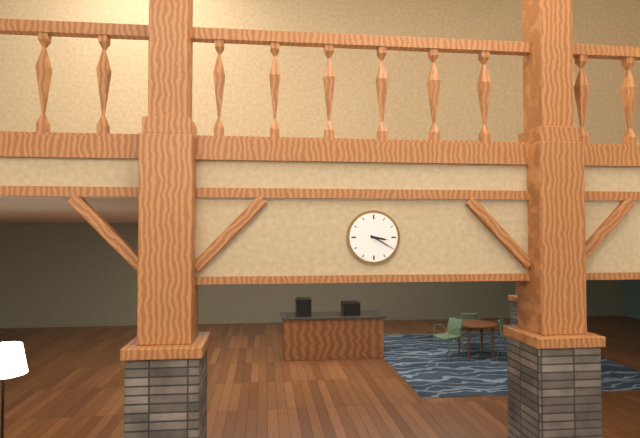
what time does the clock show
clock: 3:20
